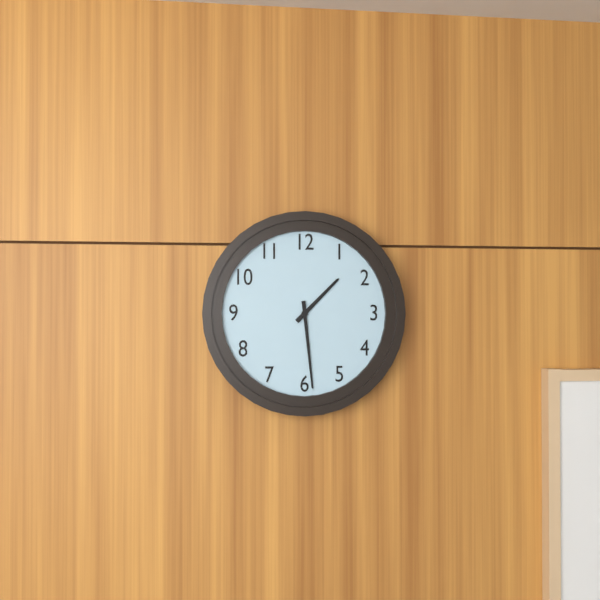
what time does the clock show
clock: 1:29
